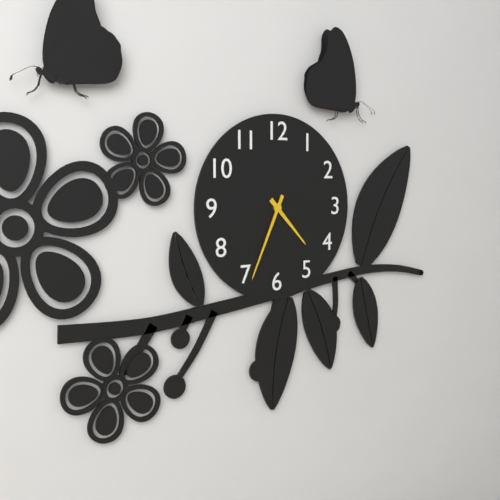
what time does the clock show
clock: 4:34
